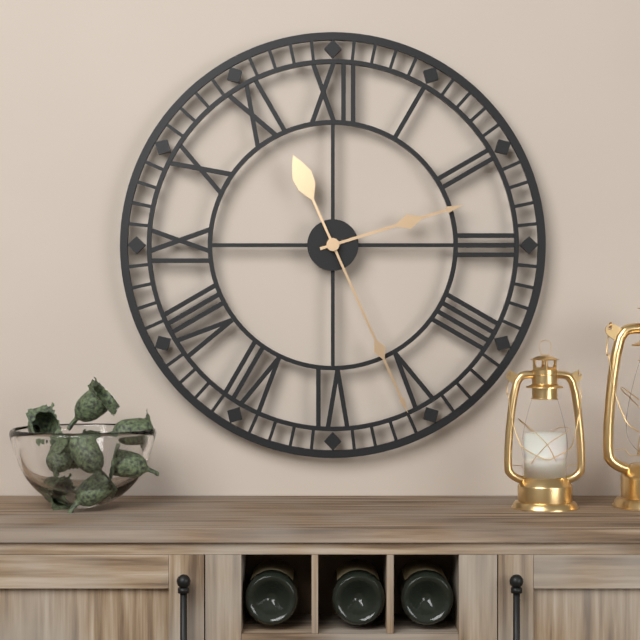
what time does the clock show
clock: 2:26
